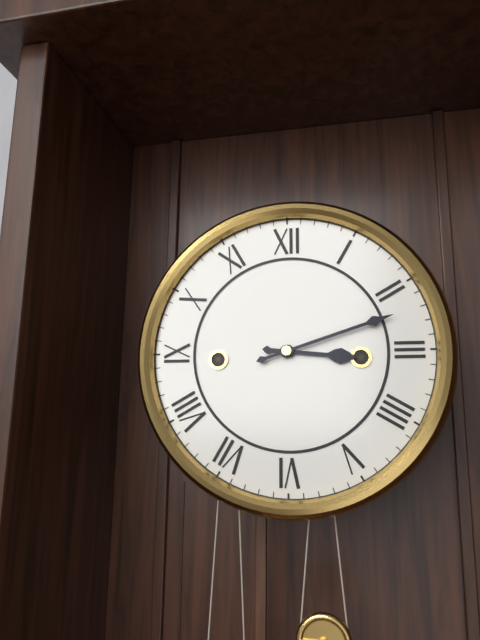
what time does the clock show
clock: 3:12
